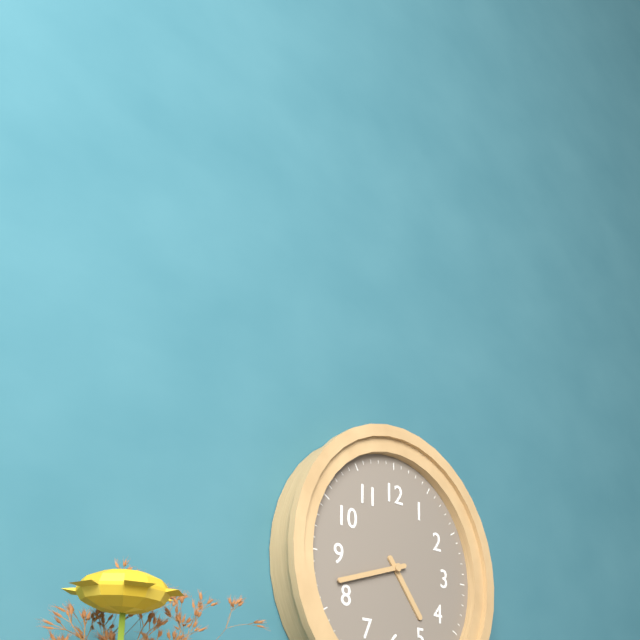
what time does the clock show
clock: 4:42
